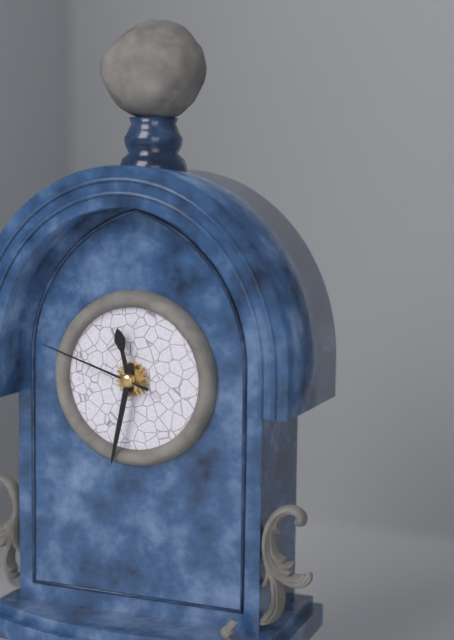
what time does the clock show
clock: 11:32:48
